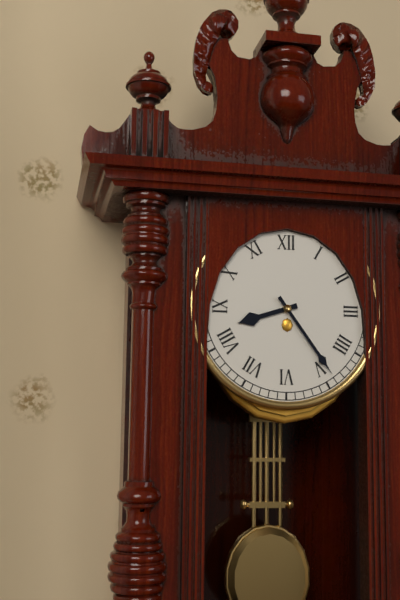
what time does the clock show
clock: 8:24
